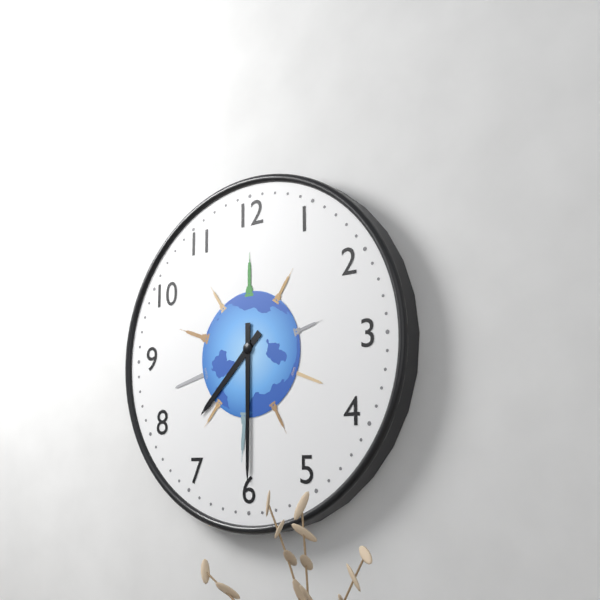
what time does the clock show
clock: 7:30
